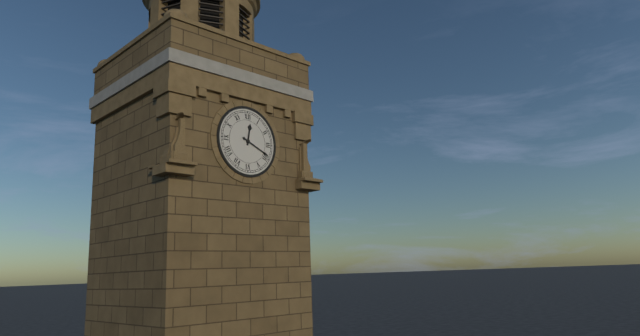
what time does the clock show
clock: 12:19
